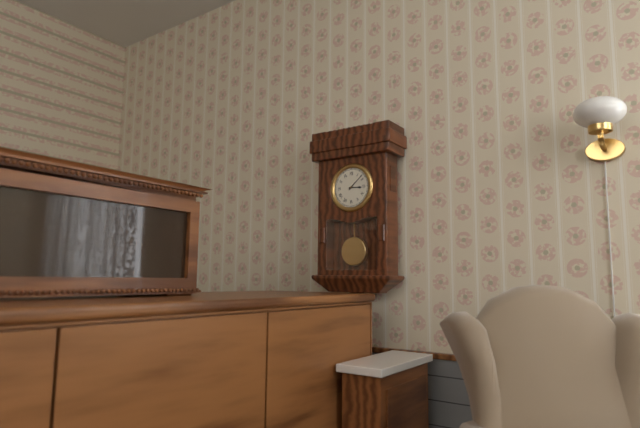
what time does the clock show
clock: 3:08
